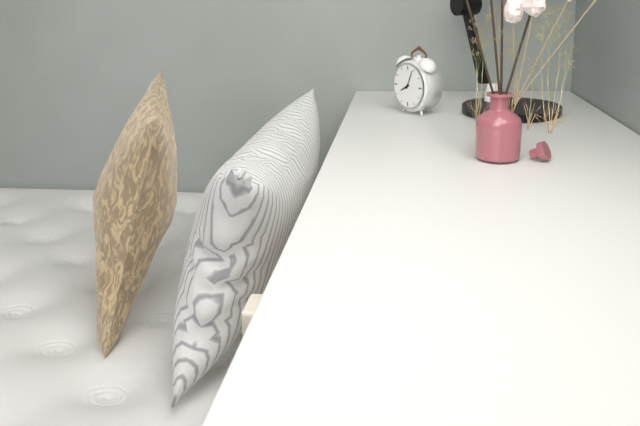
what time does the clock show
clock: 8:04
